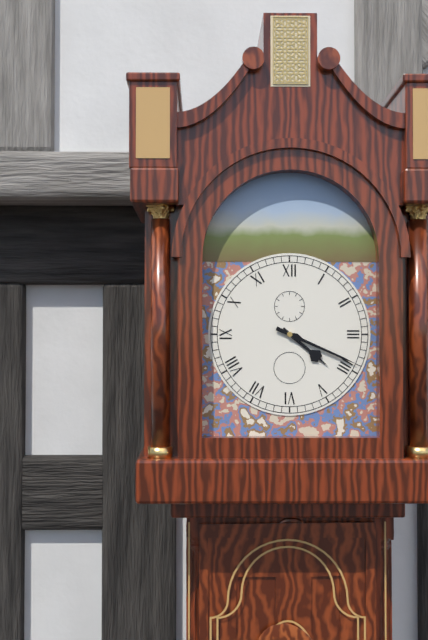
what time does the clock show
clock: 4:19
